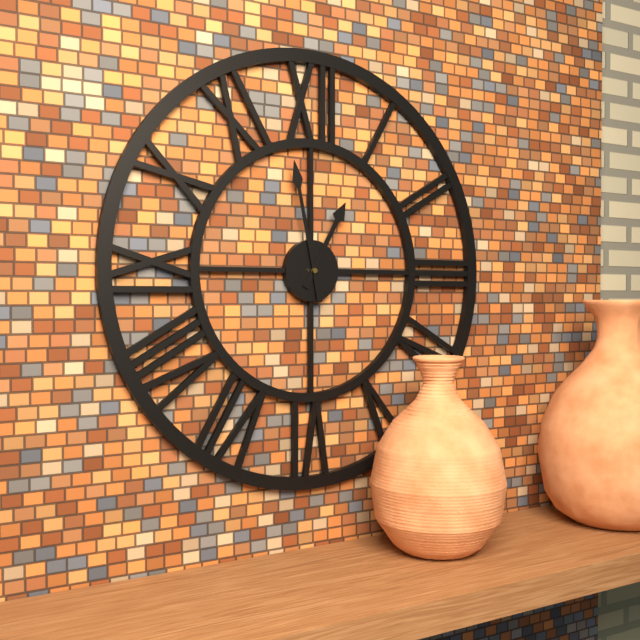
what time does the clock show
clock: 12:58
